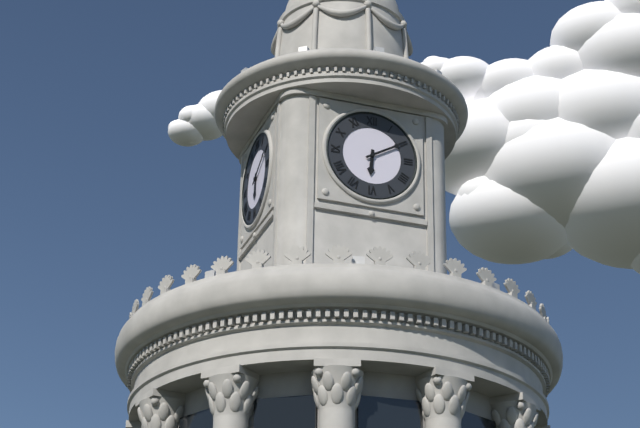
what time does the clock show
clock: 6:10
